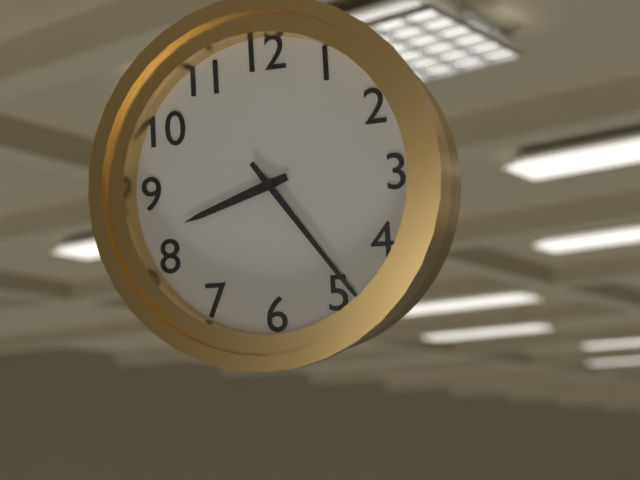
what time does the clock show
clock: 8:24
